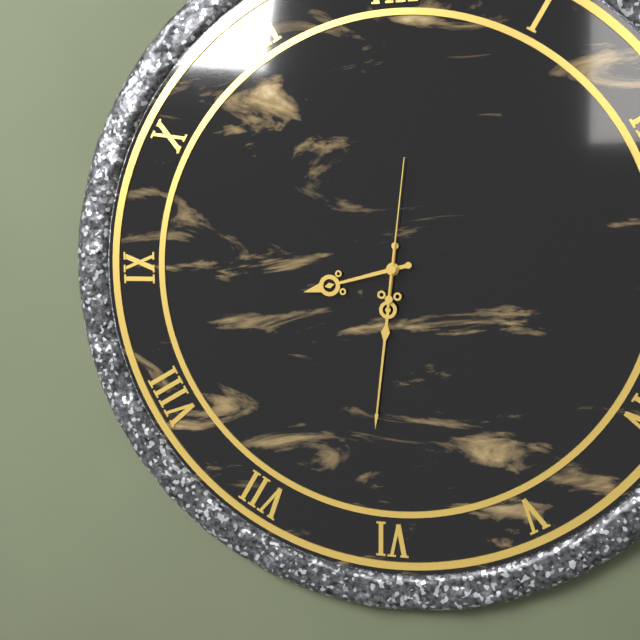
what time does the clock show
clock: 8:31:01
